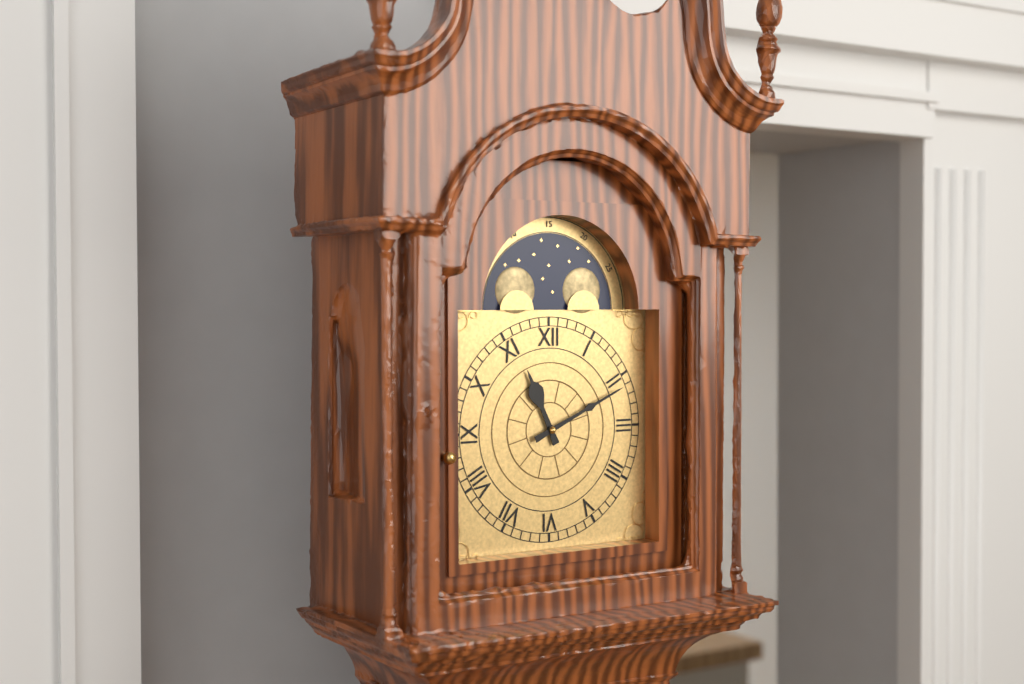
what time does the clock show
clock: 11:11
